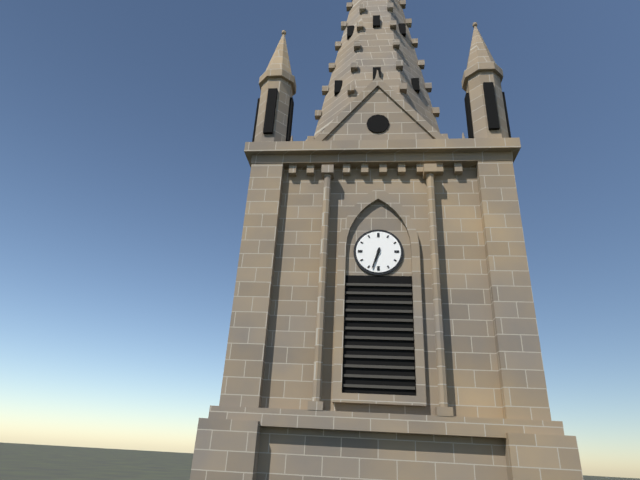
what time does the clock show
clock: 6:33
